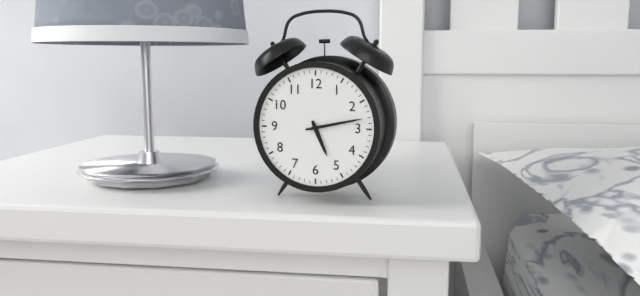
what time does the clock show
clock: 5:13
